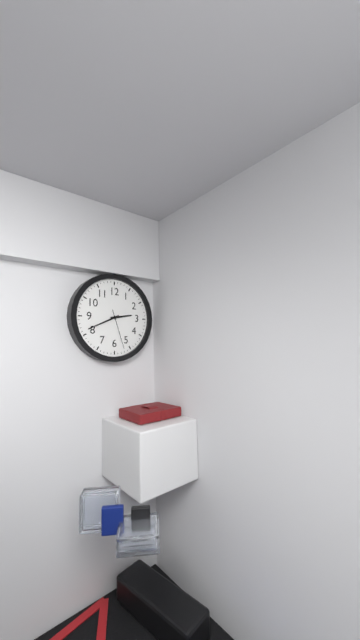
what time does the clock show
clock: 2:41
